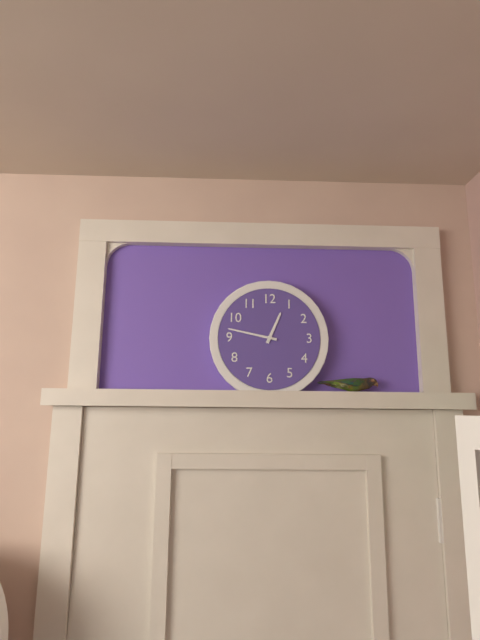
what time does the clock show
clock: 12:47
